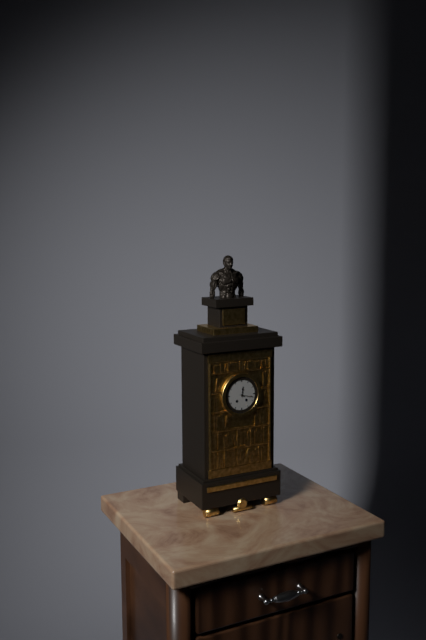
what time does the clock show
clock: 12:17
